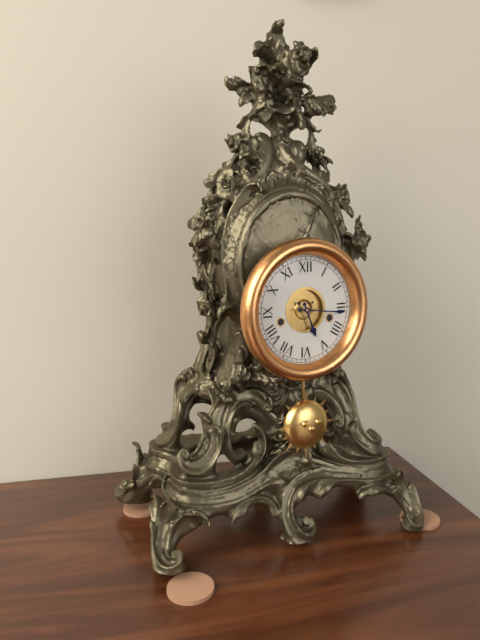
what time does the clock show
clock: 5:16
